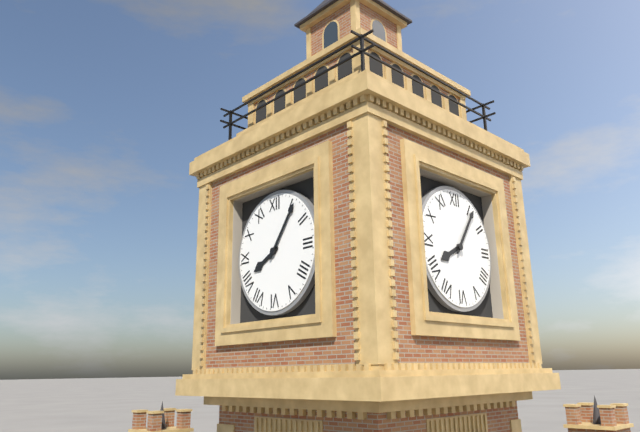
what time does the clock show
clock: 8:06
